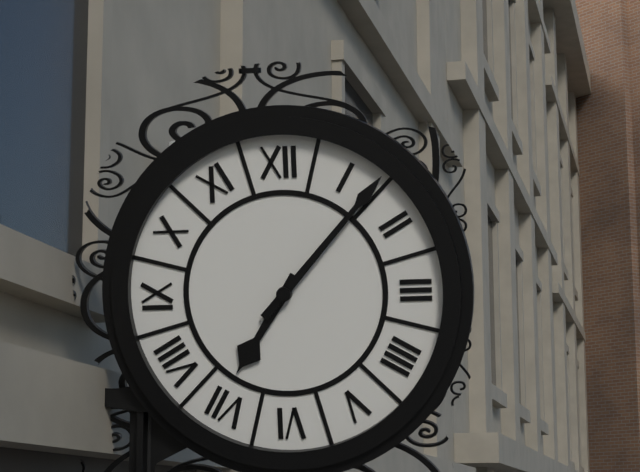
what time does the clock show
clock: 7:07
